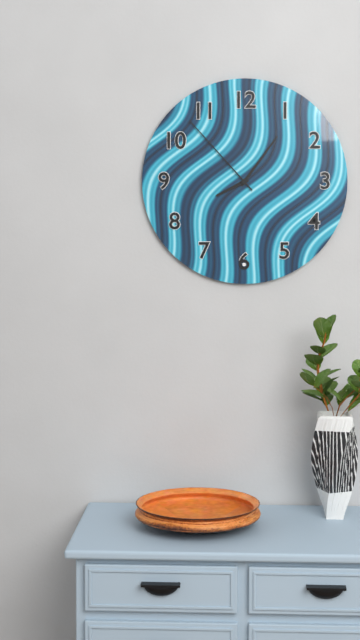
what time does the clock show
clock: 8:06:53
